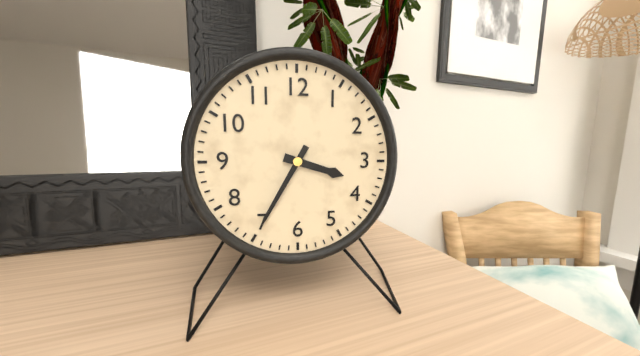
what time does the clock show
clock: 3:35
